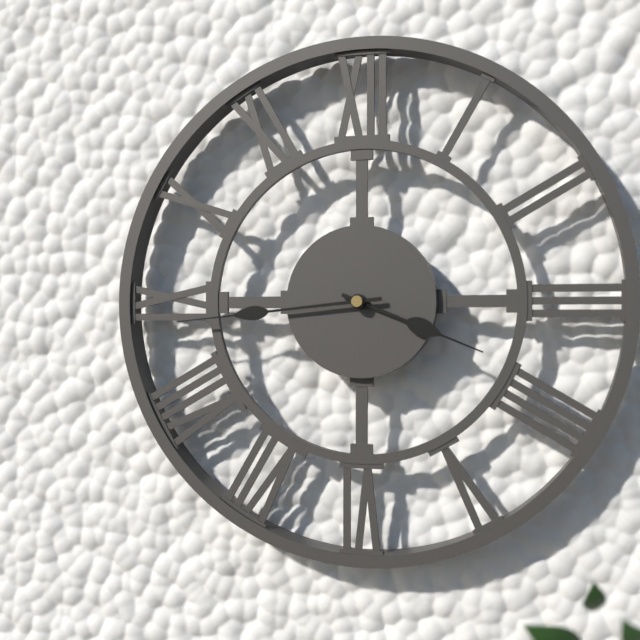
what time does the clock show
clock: 3:44
